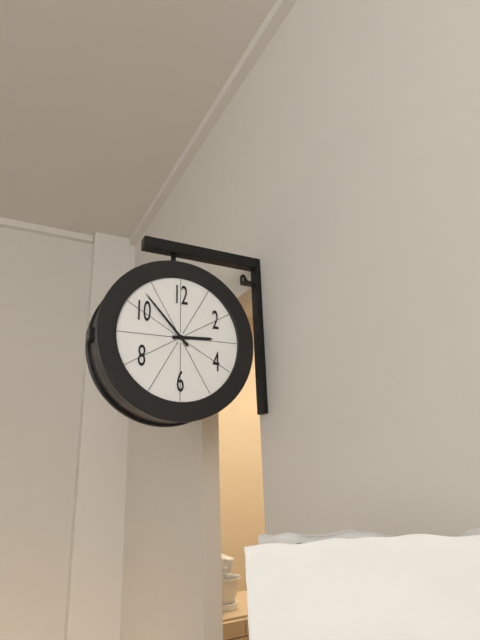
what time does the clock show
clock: 2:53
